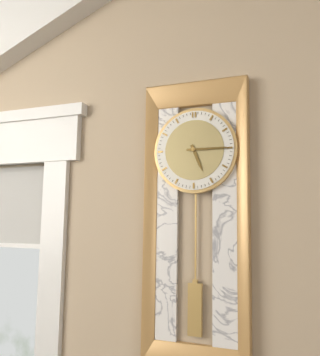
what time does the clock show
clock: 5:15
